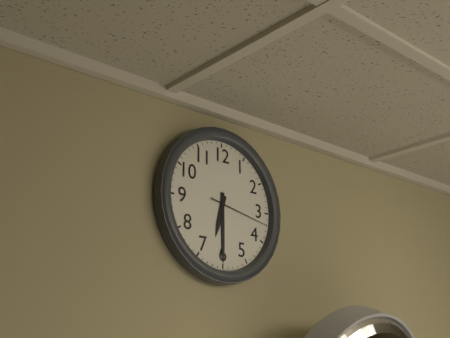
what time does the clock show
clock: 6:30:17
